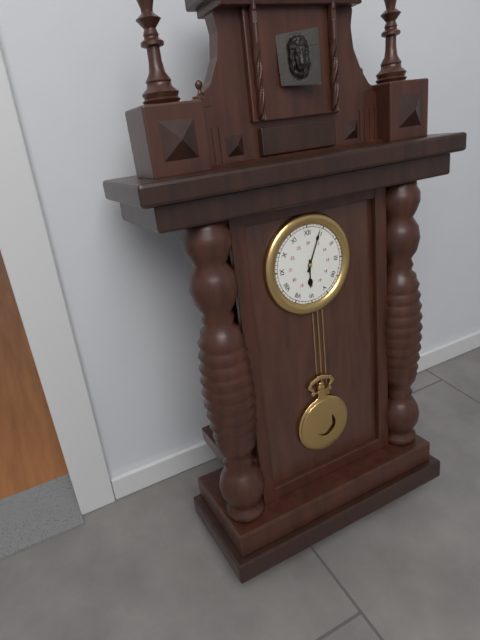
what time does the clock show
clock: 6:04
